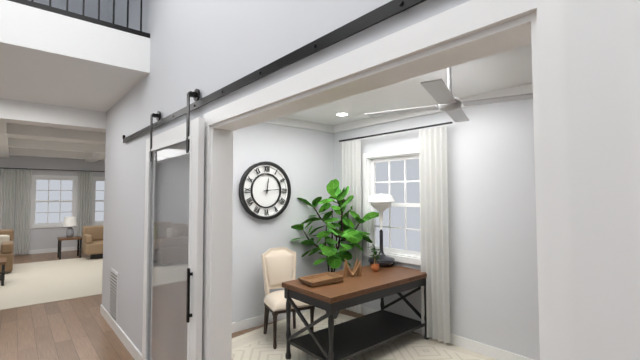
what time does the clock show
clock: 12:14
